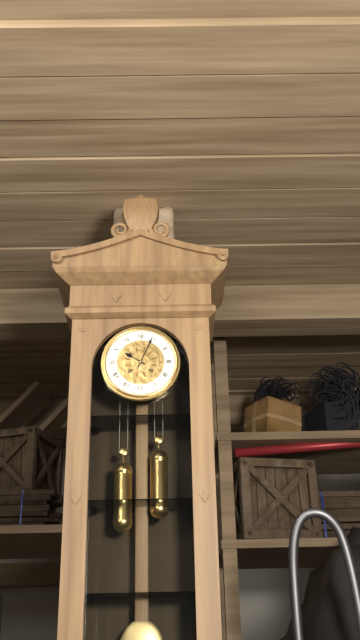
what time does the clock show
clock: 10:04
